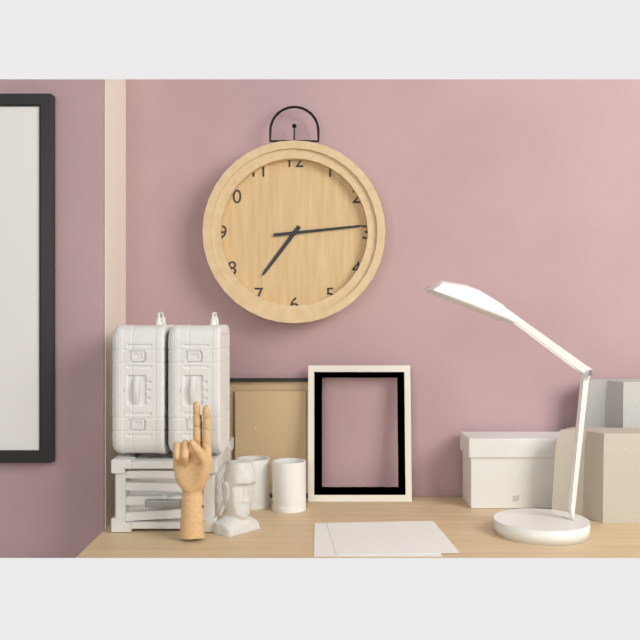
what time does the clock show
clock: 7:14
